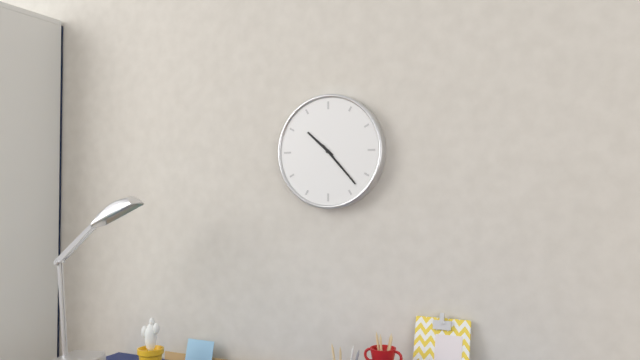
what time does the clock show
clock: 10:23
